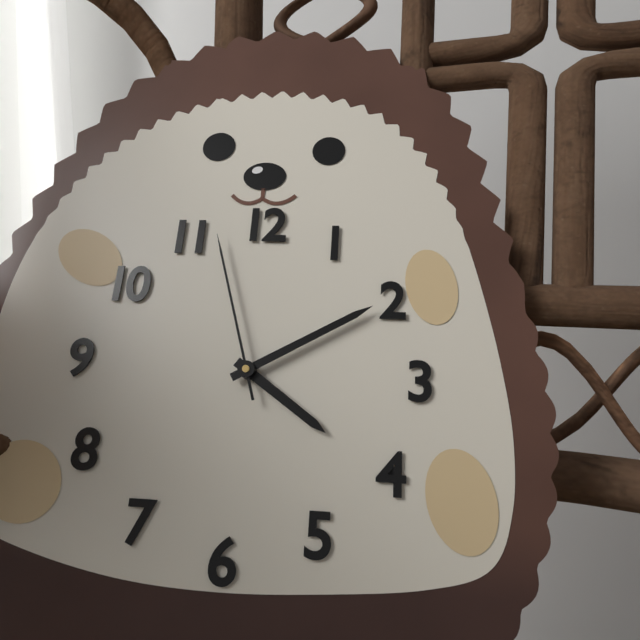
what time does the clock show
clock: 4:10:57
